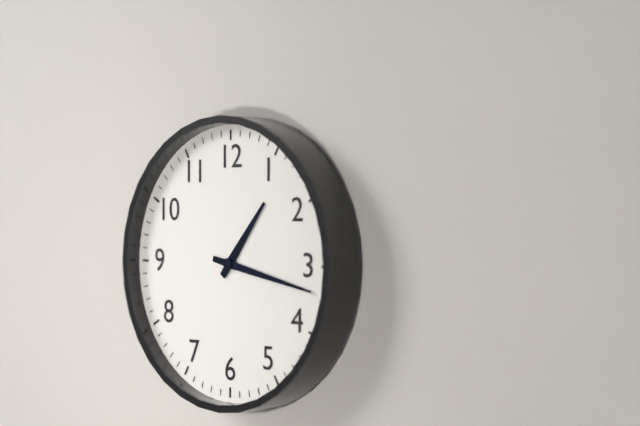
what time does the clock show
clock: 1:17
